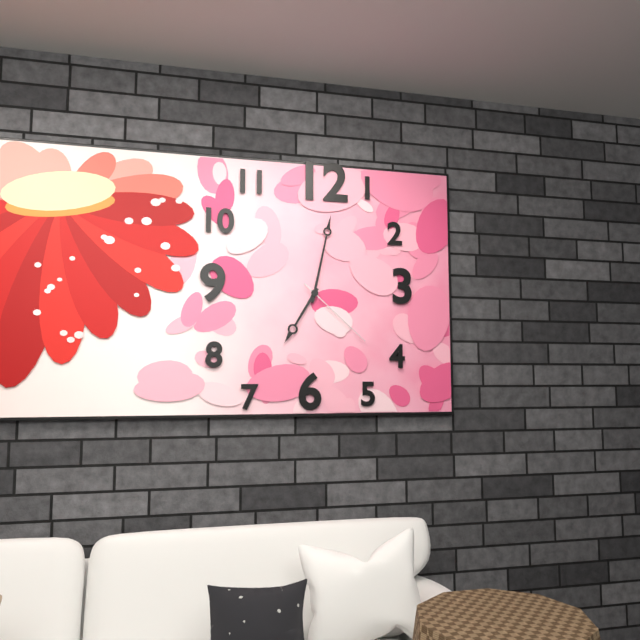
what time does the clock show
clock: 7:02:22
